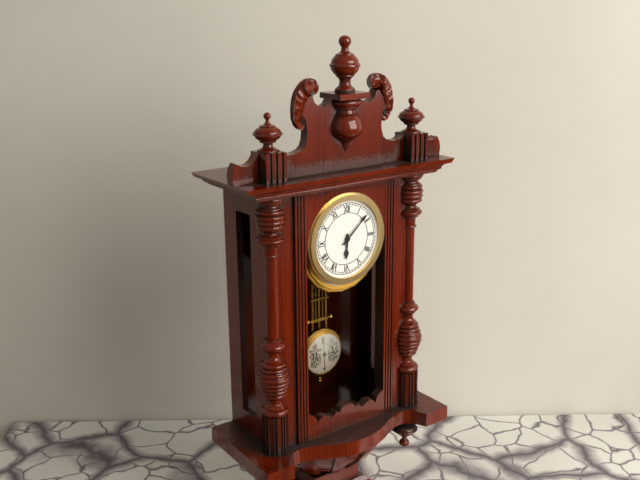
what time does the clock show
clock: 6:08
